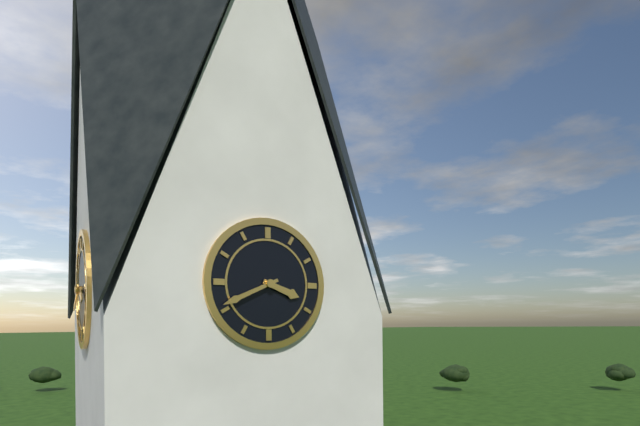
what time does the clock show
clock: 3:41
